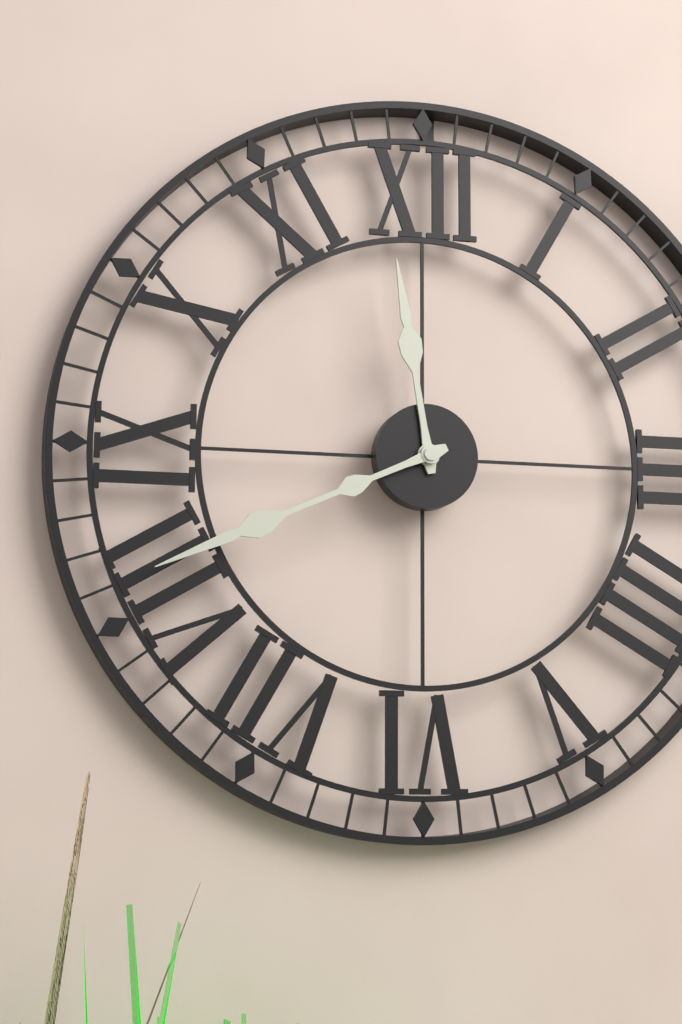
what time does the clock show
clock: 11:41
